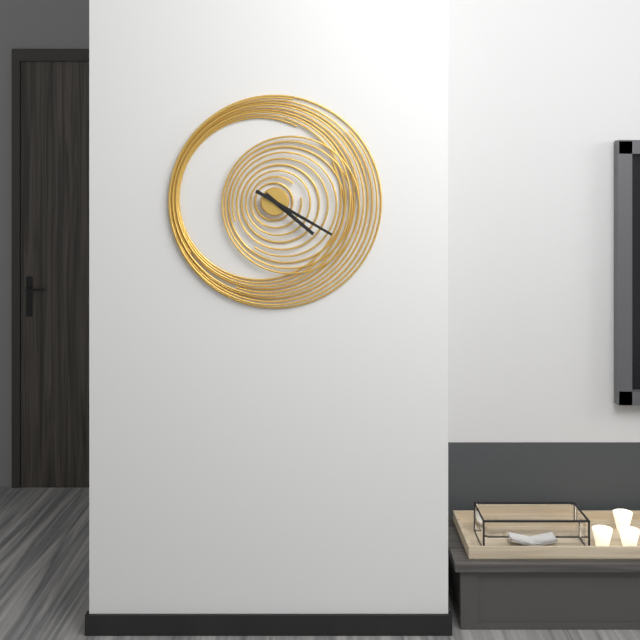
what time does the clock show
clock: 4:20
